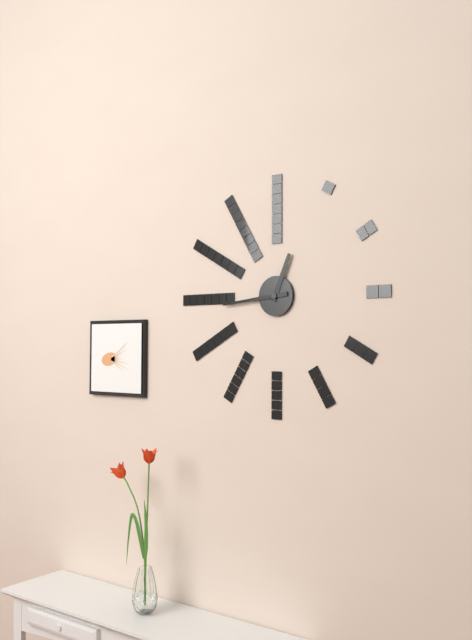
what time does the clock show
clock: 12:44
